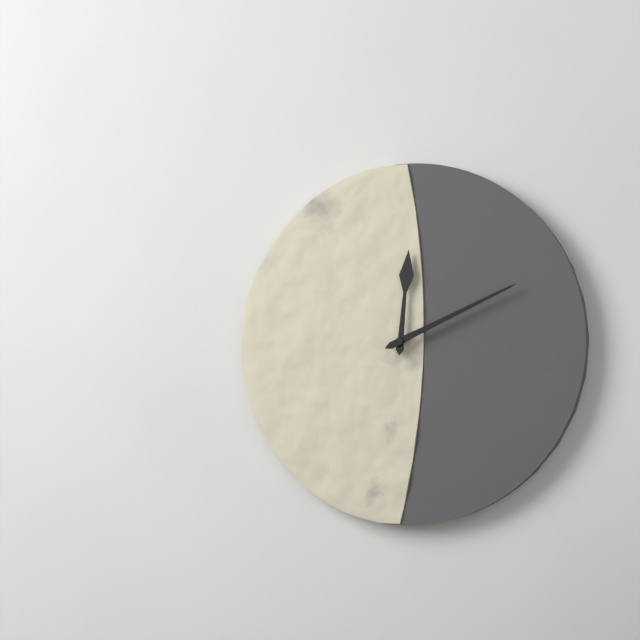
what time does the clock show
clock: 12:11
